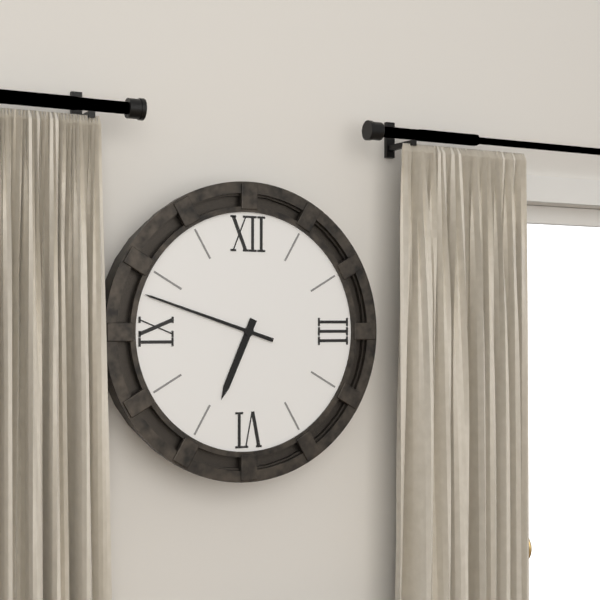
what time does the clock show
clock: 6:48
